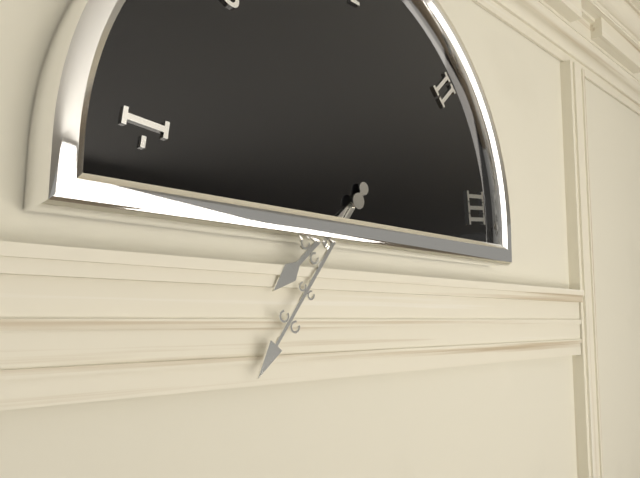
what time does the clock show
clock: 7:36
